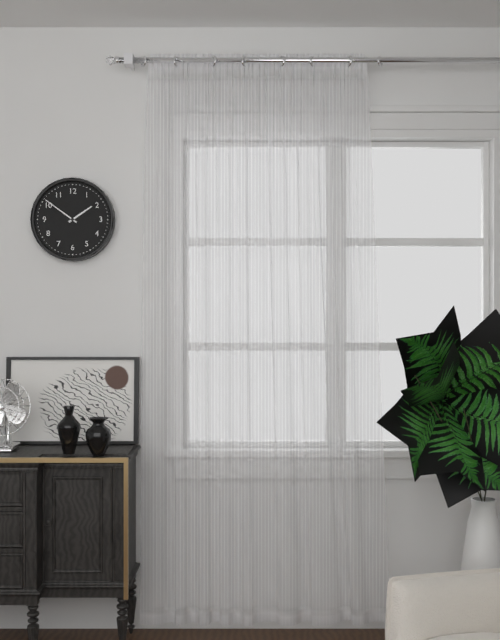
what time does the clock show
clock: 1:51
